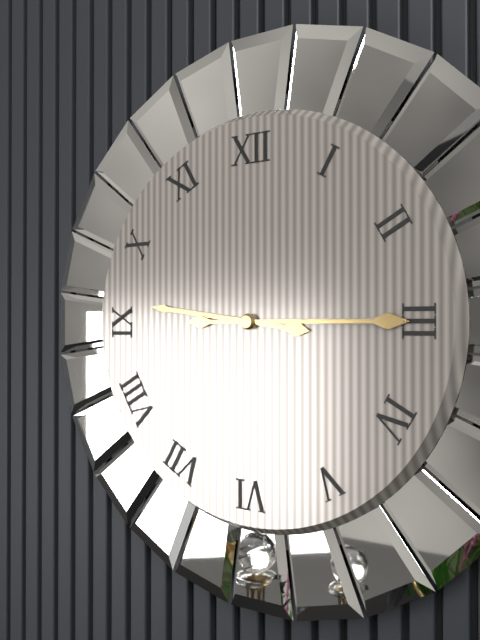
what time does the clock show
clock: 9:15
